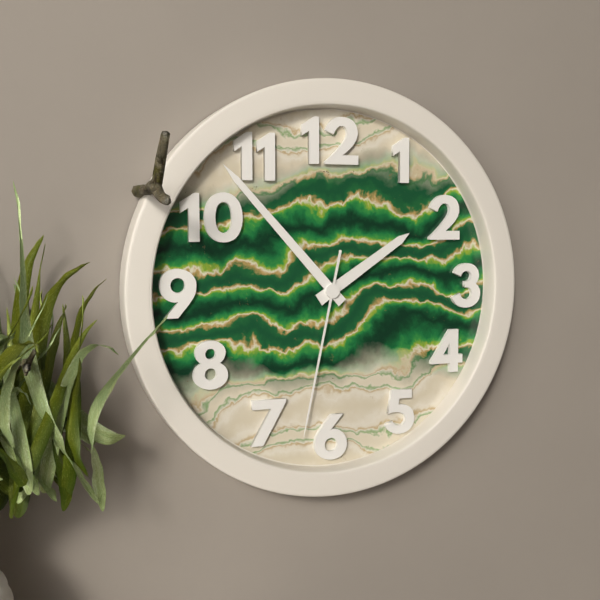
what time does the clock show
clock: 1:53:32
